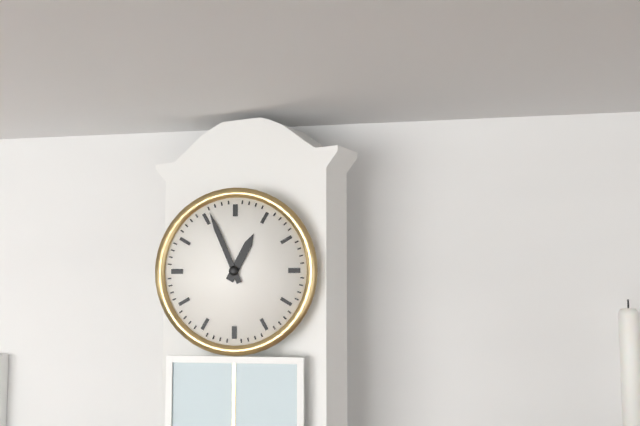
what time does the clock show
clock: 12:56
